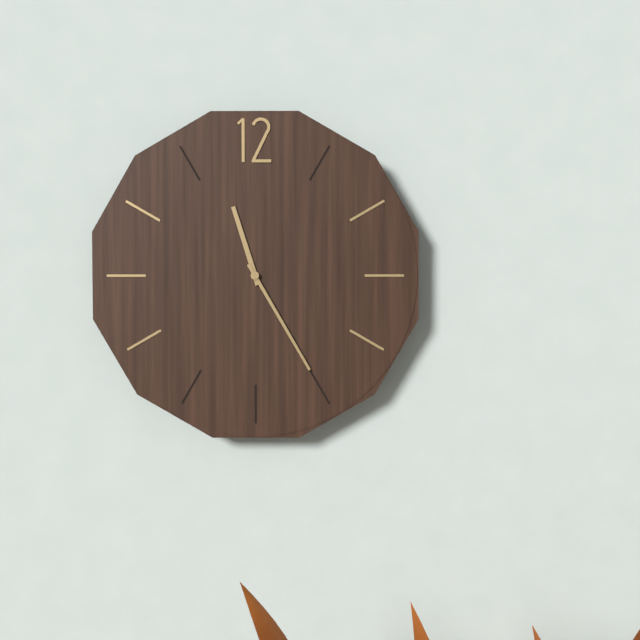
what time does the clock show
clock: 11:25
